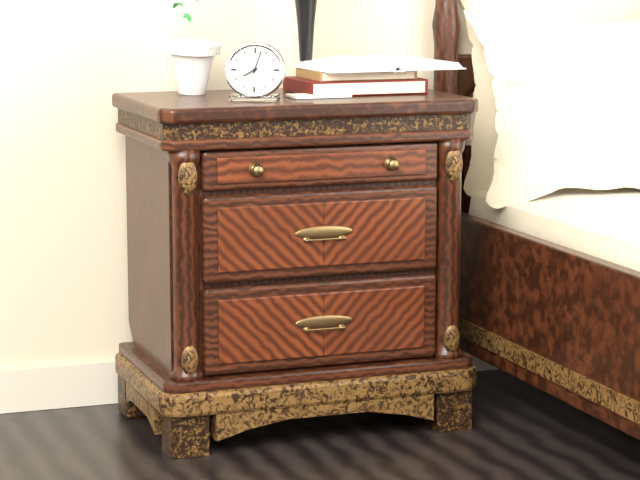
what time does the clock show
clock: 8:03
